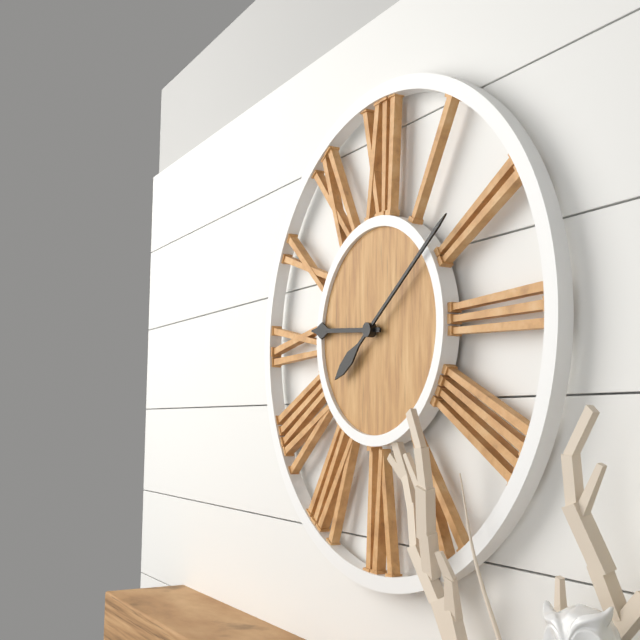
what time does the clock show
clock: 9:09
